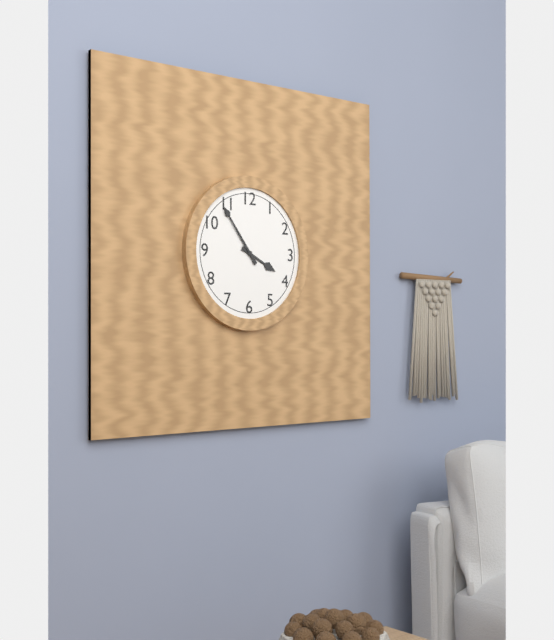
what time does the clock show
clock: 3:54
